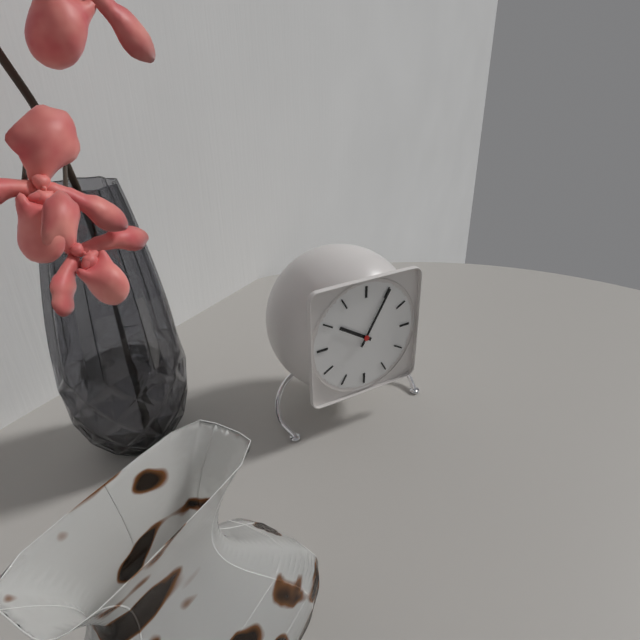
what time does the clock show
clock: 10:05
